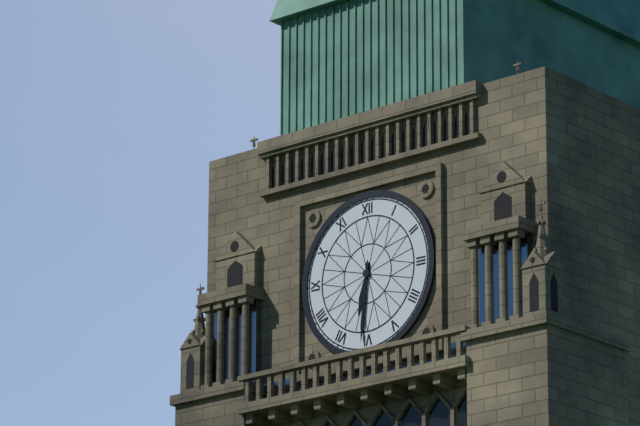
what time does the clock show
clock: 6:31
